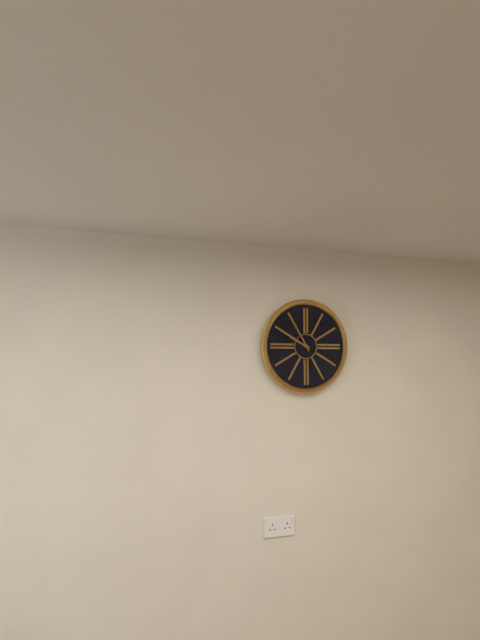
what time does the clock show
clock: 9:55
